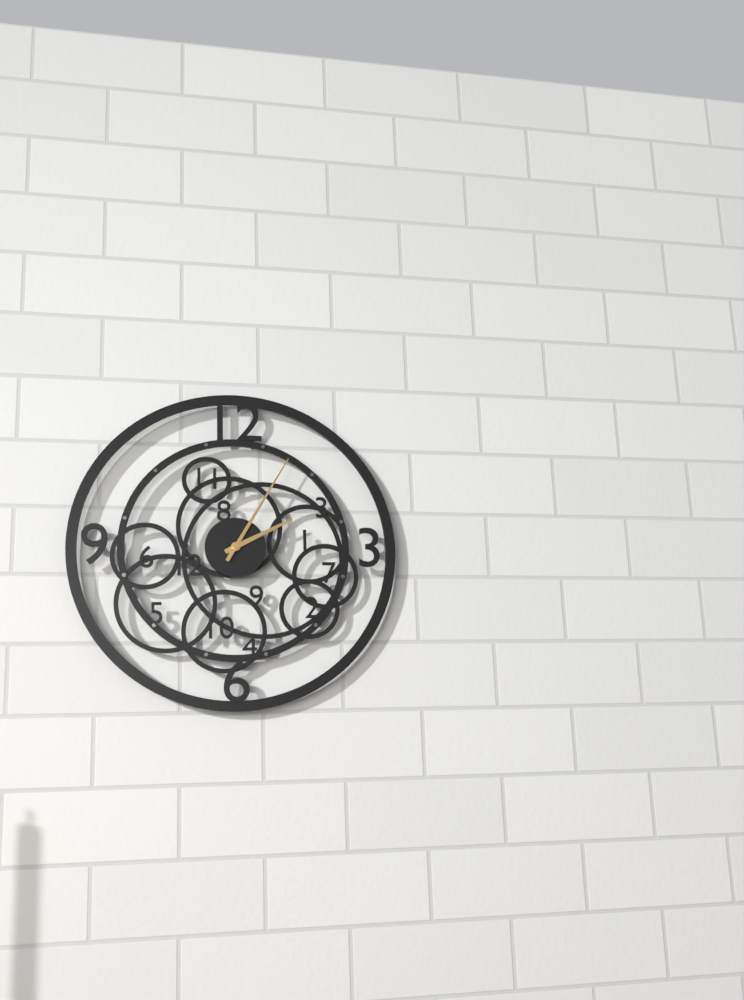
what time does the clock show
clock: 2:05
